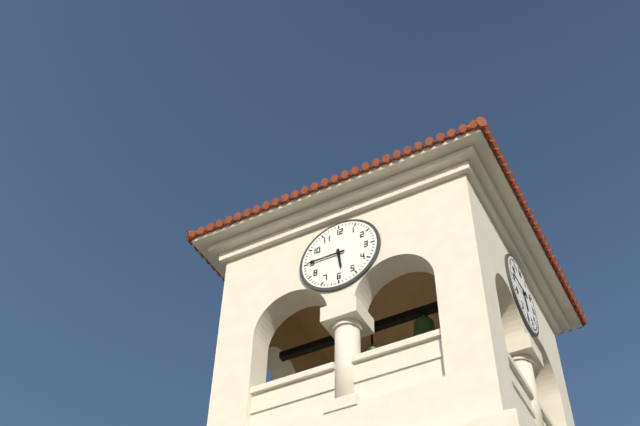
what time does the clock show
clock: 5:45
